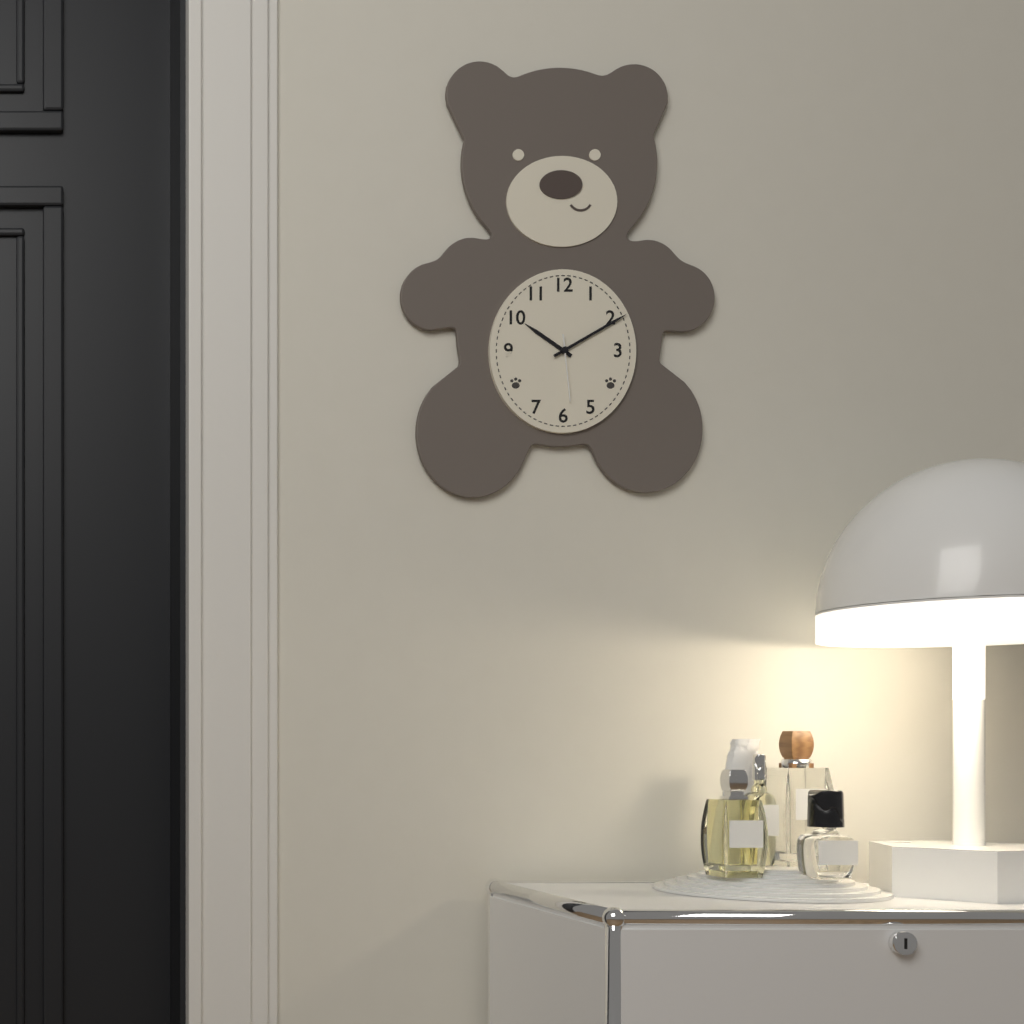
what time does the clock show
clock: 10:10:29
